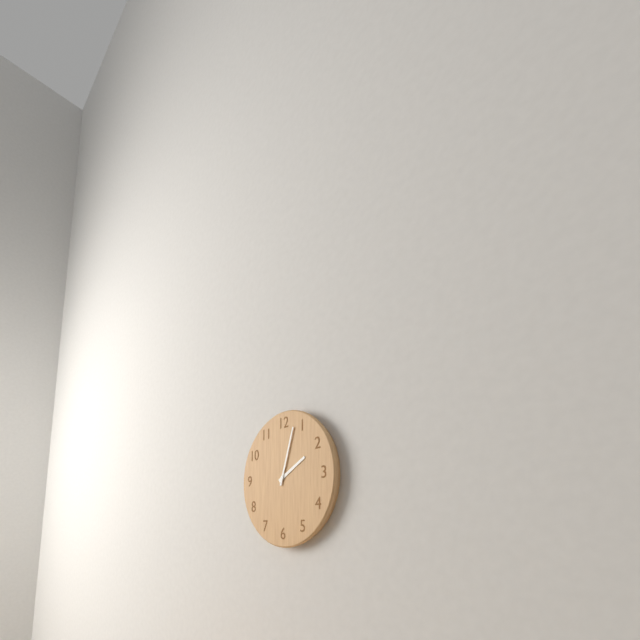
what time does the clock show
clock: 2:03
